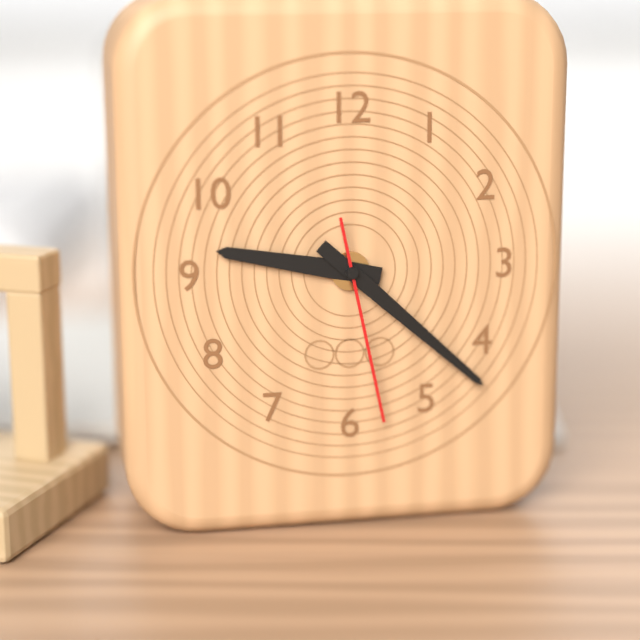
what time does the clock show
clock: 9:22:28
